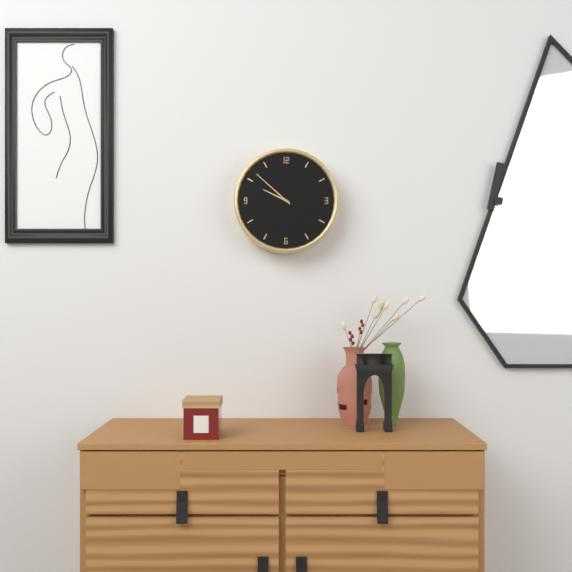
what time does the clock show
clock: 9:52
